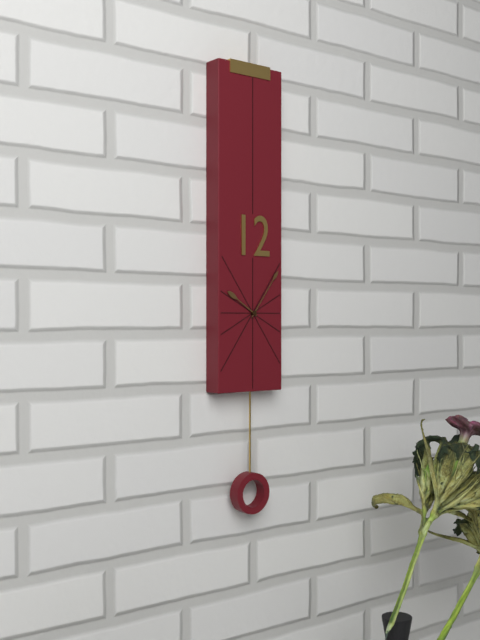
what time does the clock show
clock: 10:06
